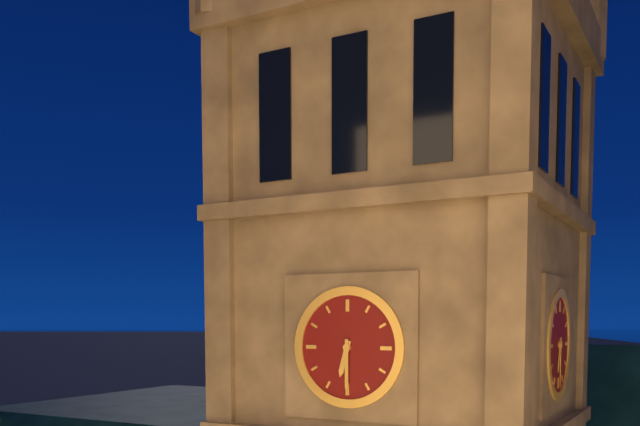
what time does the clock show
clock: 6:30
